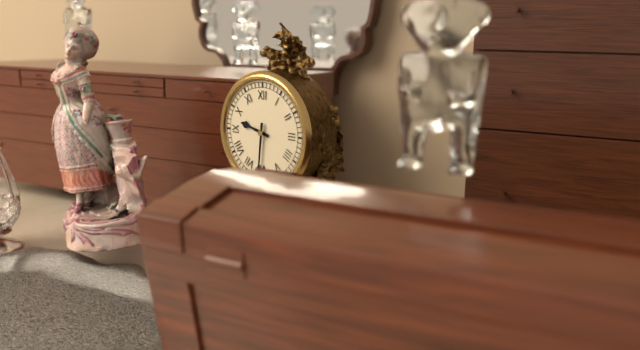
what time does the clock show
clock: 9:31
